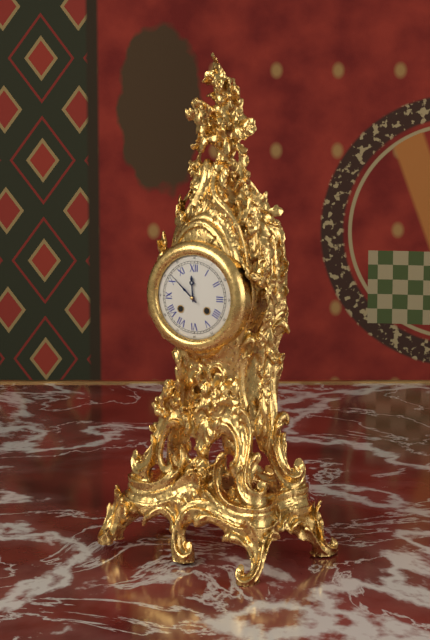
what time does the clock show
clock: 11:52
